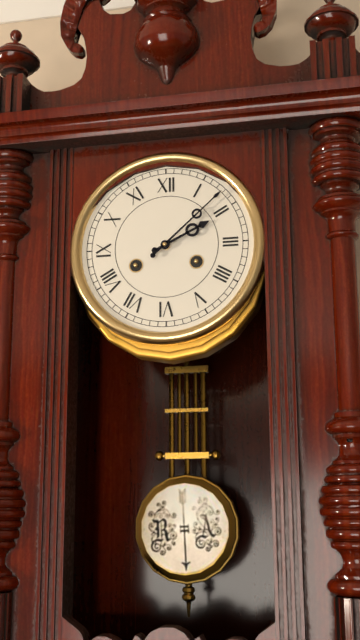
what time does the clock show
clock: 2:08
